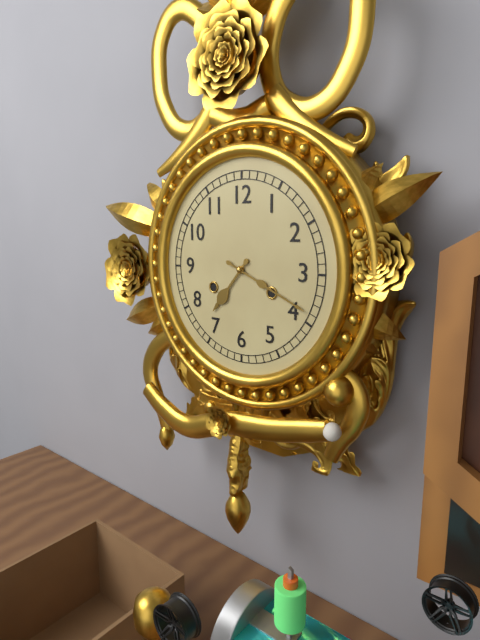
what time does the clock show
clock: 7:19
